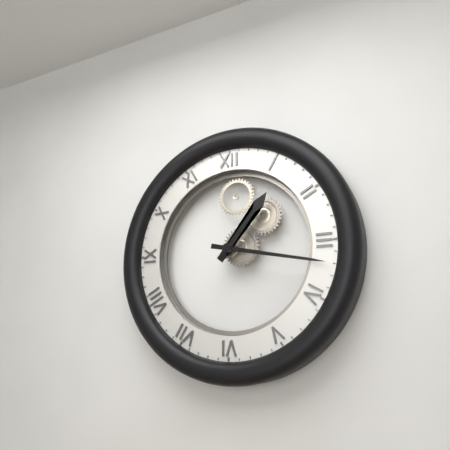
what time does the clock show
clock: 1:17
